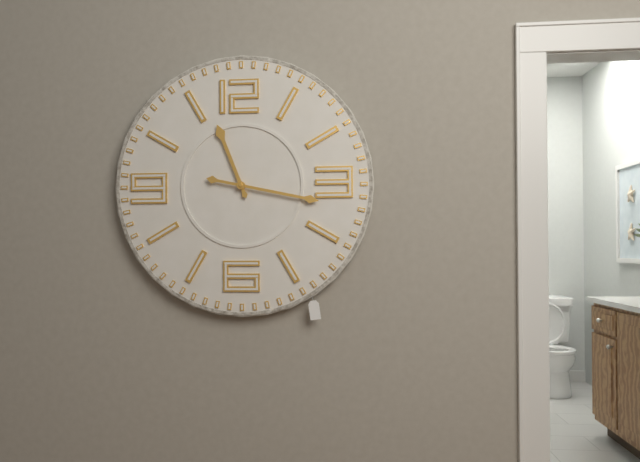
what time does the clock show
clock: 11:17
